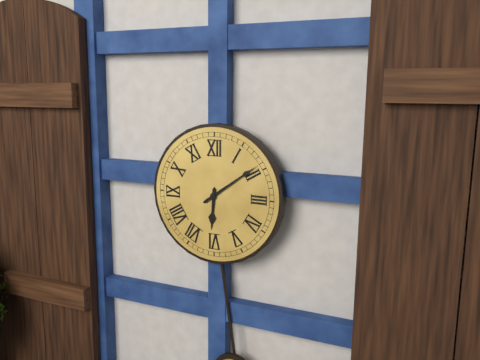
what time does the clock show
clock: 6:09
